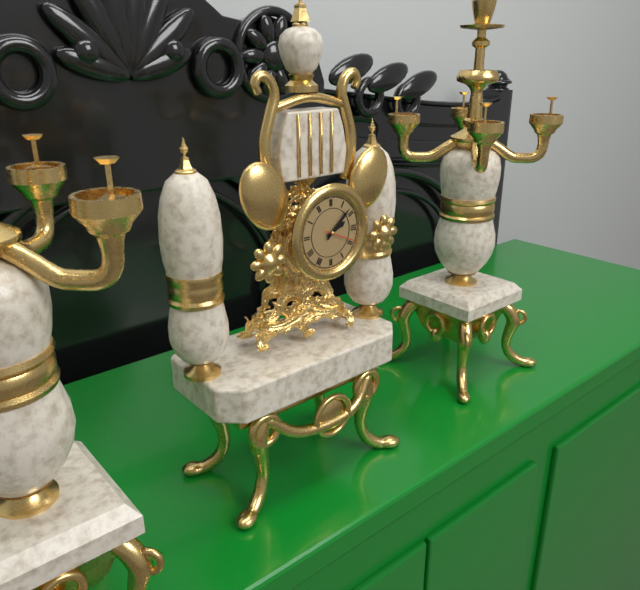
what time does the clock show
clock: 2:08
